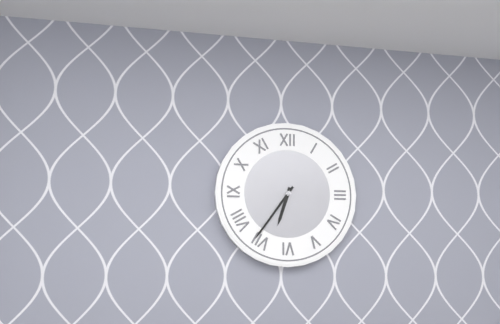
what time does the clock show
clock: 6:36
